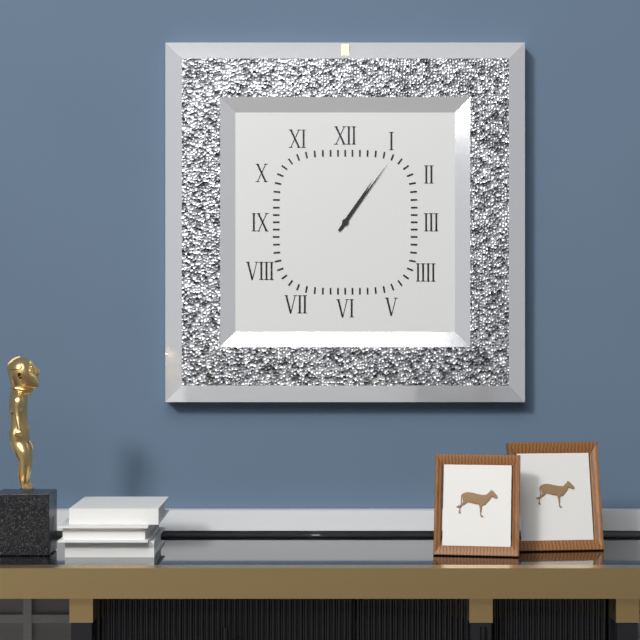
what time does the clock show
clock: 1:06
